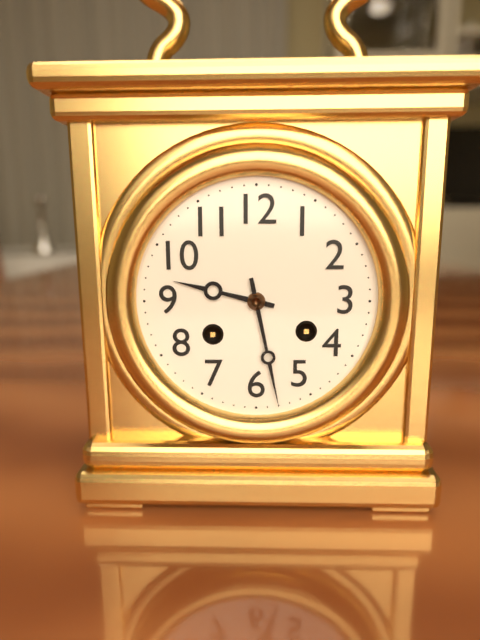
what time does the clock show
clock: 9:28
